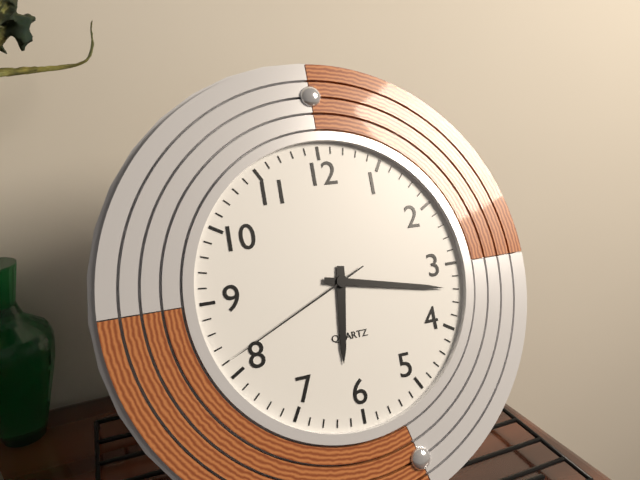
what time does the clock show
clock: 6:17:41
